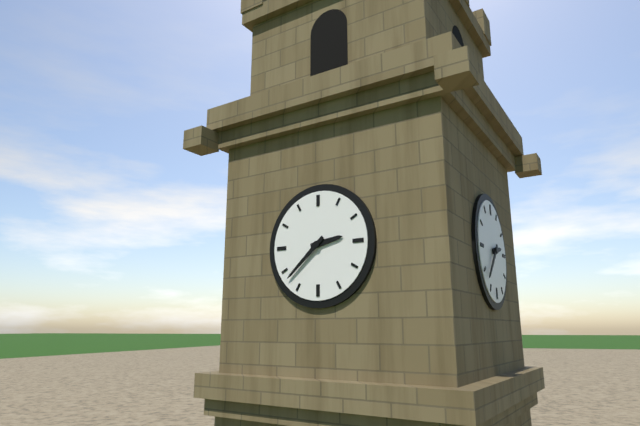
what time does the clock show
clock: 2:38
